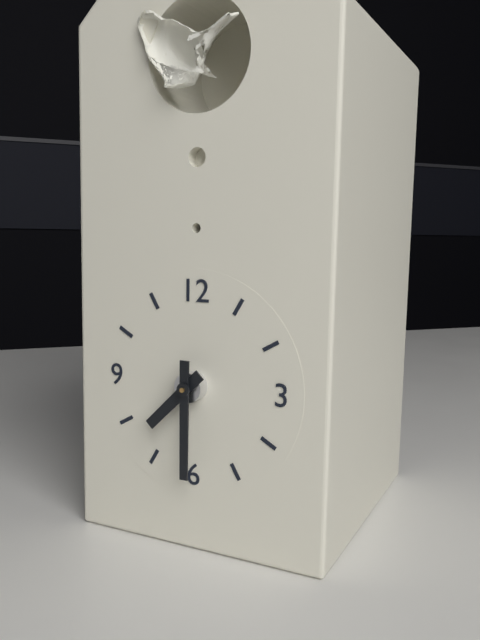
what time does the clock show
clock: 7:30
